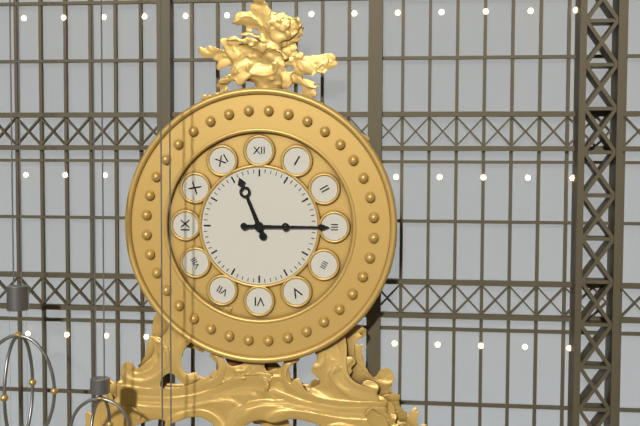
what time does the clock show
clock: 11:15
